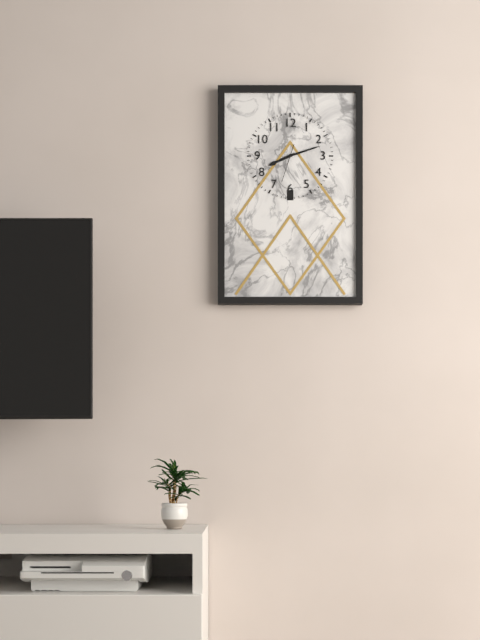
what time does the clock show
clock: 8:12
